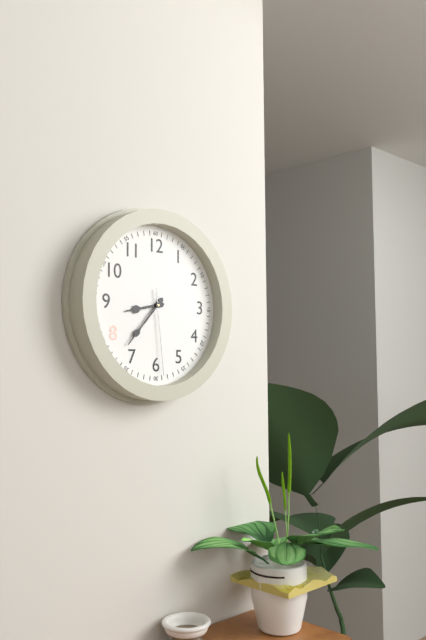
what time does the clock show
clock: 8:37:29
